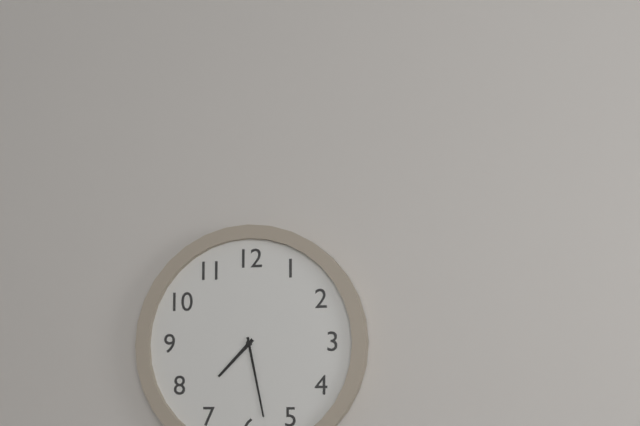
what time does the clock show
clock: 7:28
